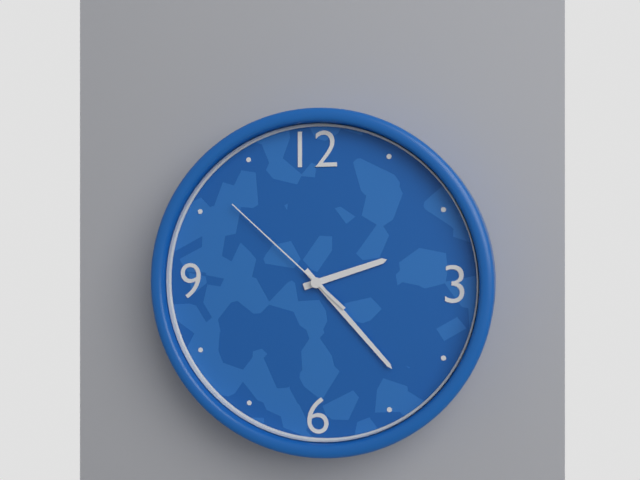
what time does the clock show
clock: 2:23:52
